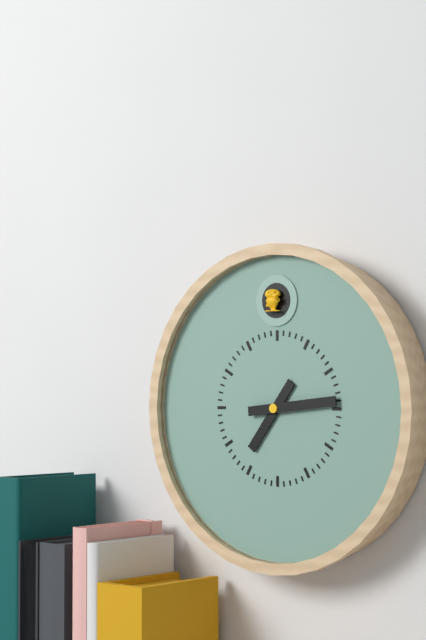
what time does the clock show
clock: 7:14
